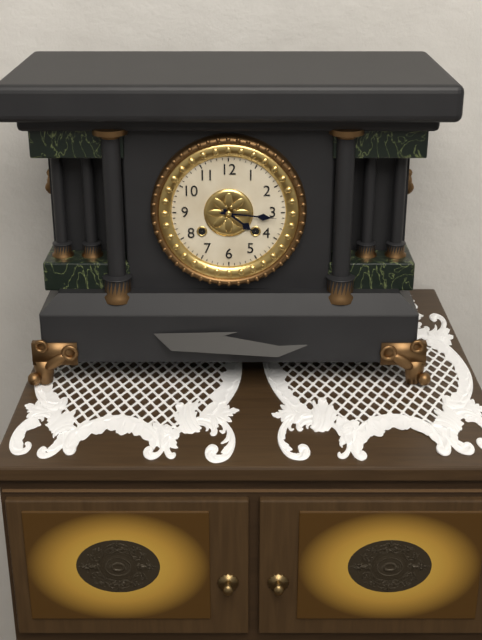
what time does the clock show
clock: 4:16
